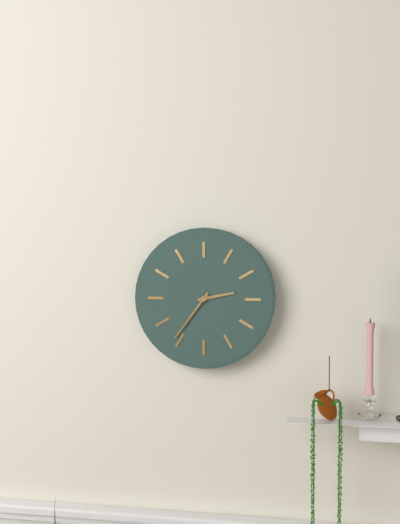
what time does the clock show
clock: 2:36
